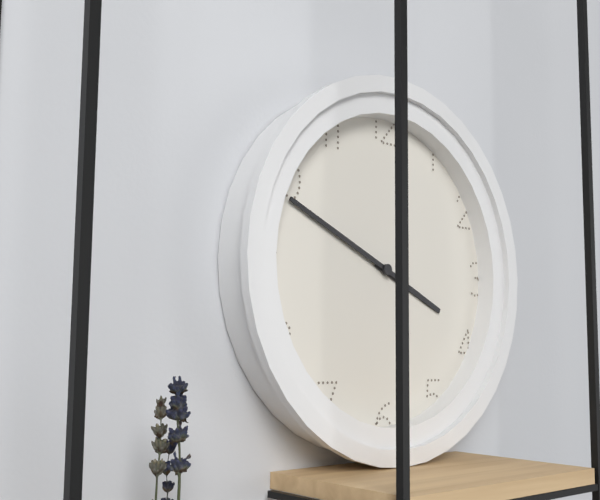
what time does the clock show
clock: 3:49
